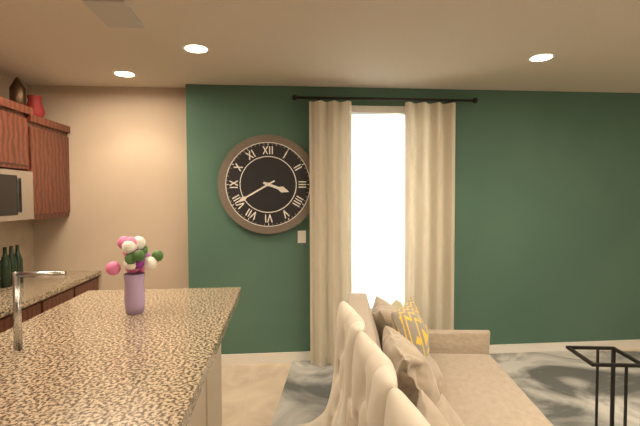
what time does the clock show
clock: 3:40
